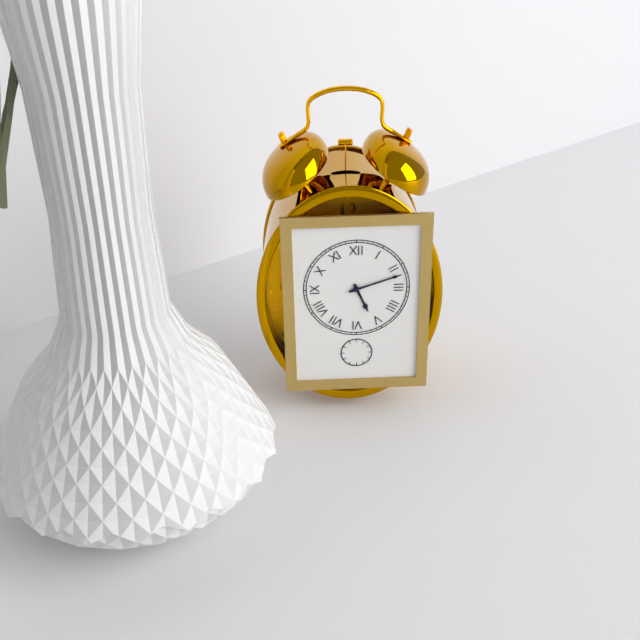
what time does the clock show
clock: 5:12
